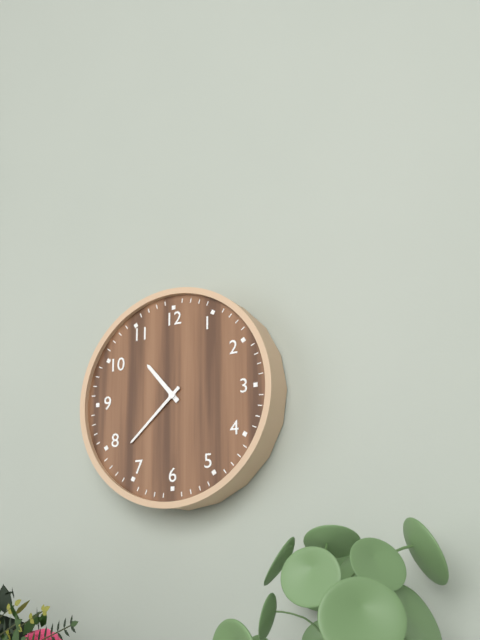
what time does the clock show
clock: 10:38
